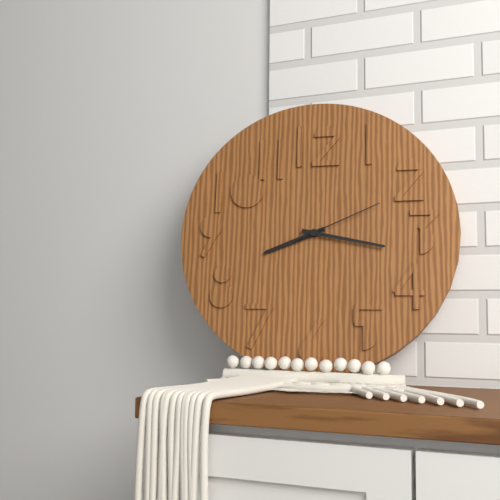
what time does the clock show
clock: 8:17:11
